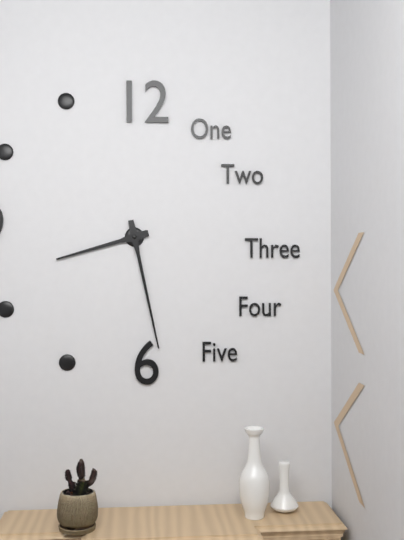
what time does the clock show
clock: 8:28
